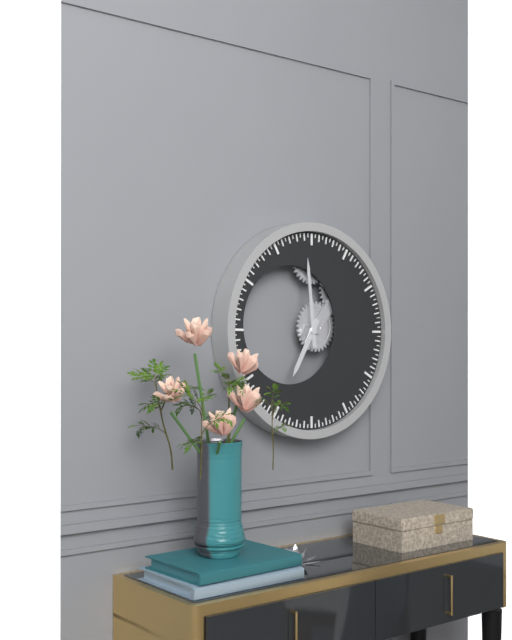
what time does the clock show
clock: 6:59
